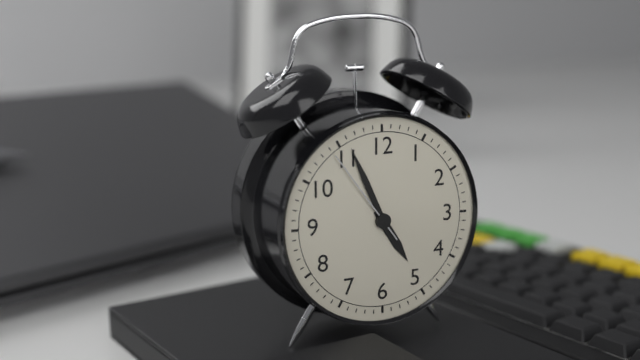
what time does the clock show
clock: 4:56:54
